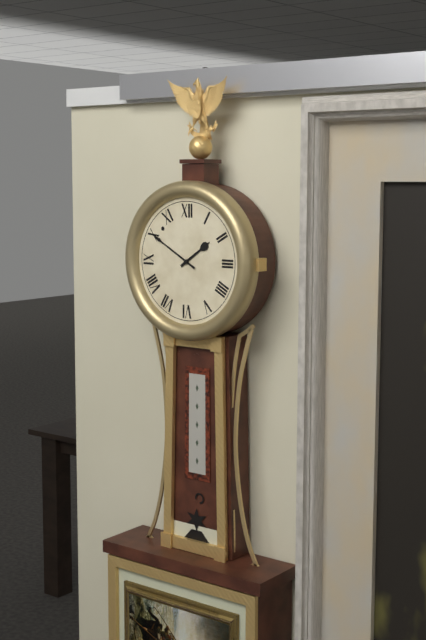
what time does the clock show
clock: 1:50
